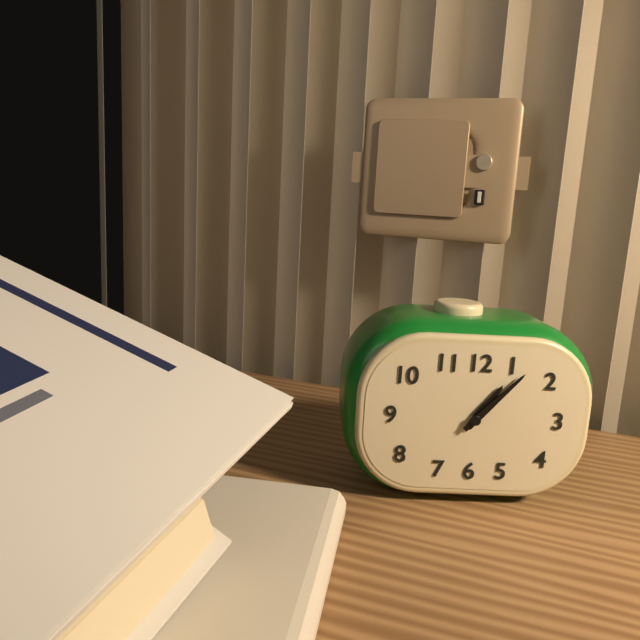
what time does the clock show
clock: 1:07
